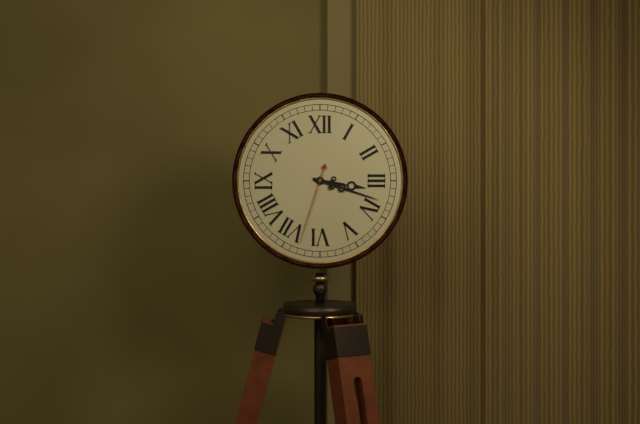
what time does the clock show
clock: 3:18:33
